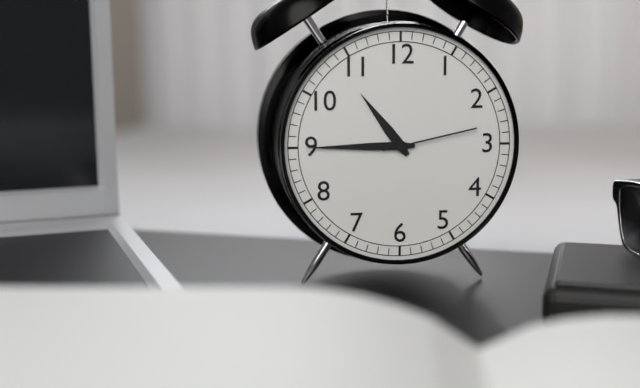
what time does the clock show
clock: 10:45:13
